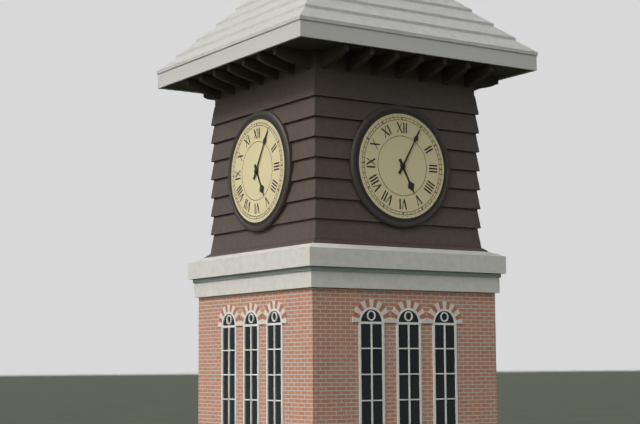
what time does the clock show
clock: 5:05
